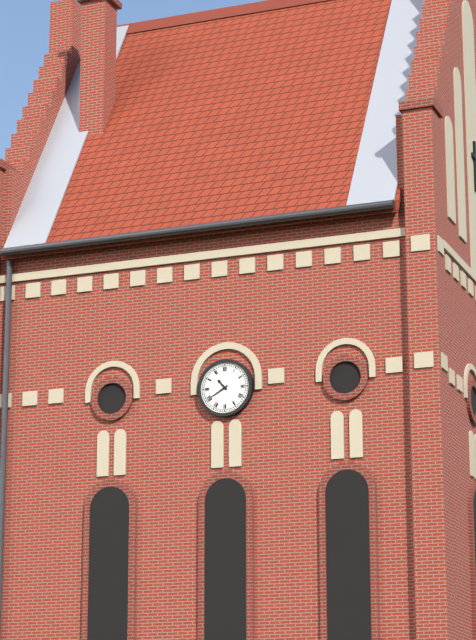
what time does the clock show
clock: 10:40
